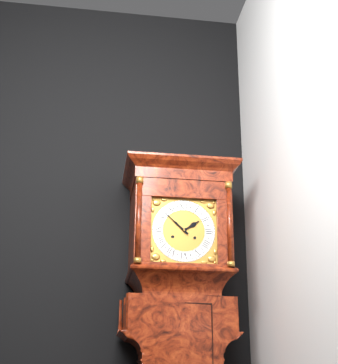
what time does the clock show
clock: 1:52
